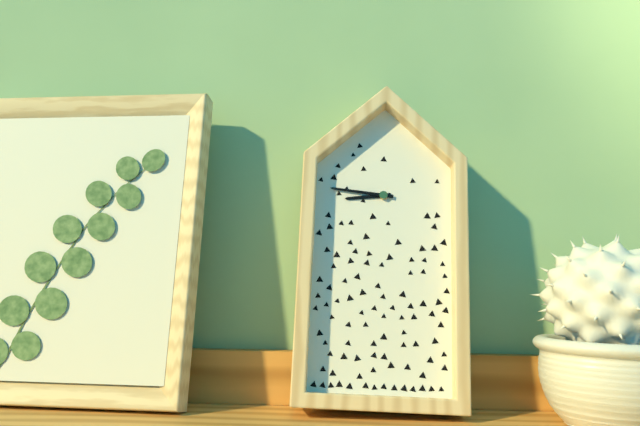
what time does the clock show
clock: 8:46
